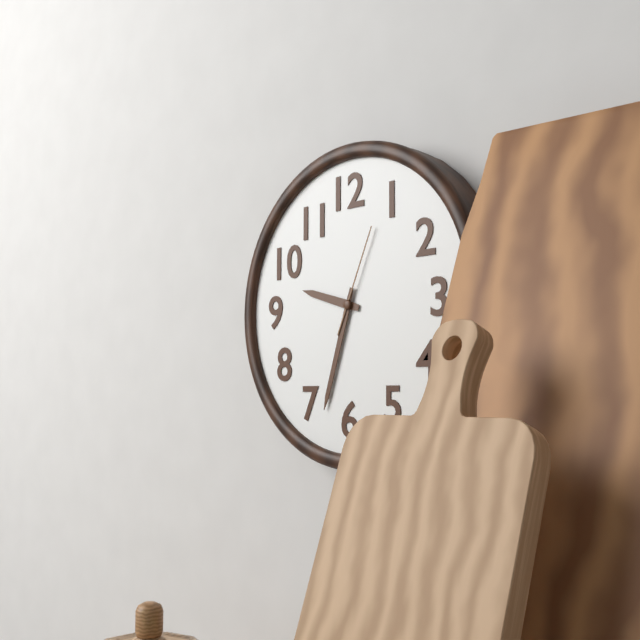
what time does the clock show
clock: 9:33:04
